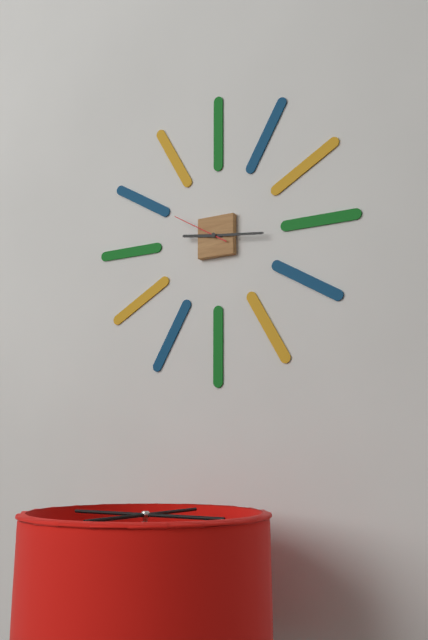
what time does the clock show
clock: 9:16:50
